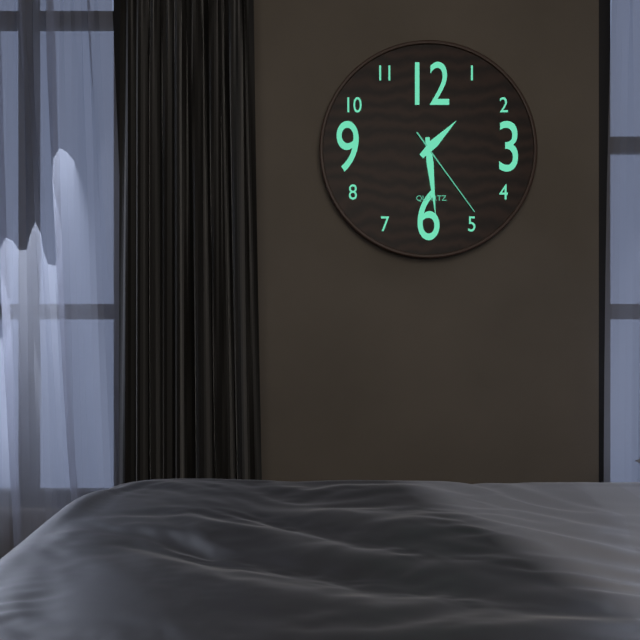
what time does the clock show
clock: 1:29:24
